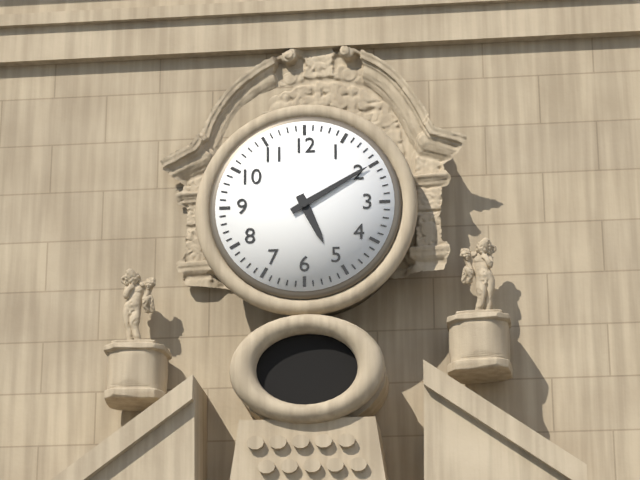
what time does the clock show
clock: 5:10
